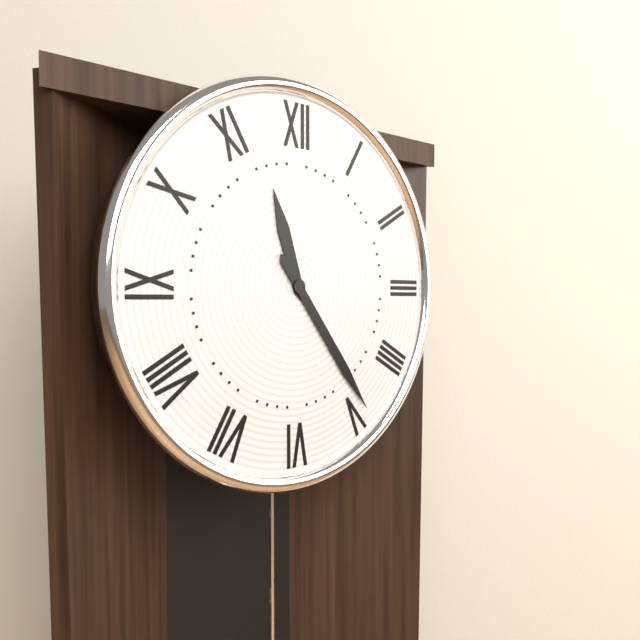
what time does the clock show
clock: 11:24
